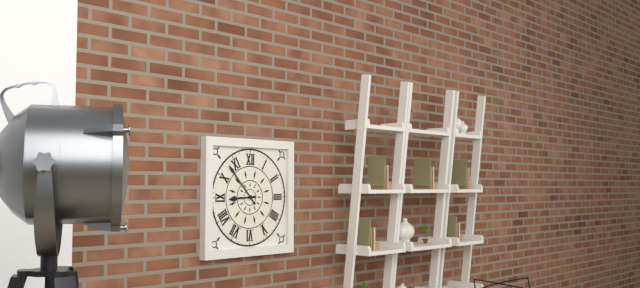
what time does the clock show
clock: 8:53
